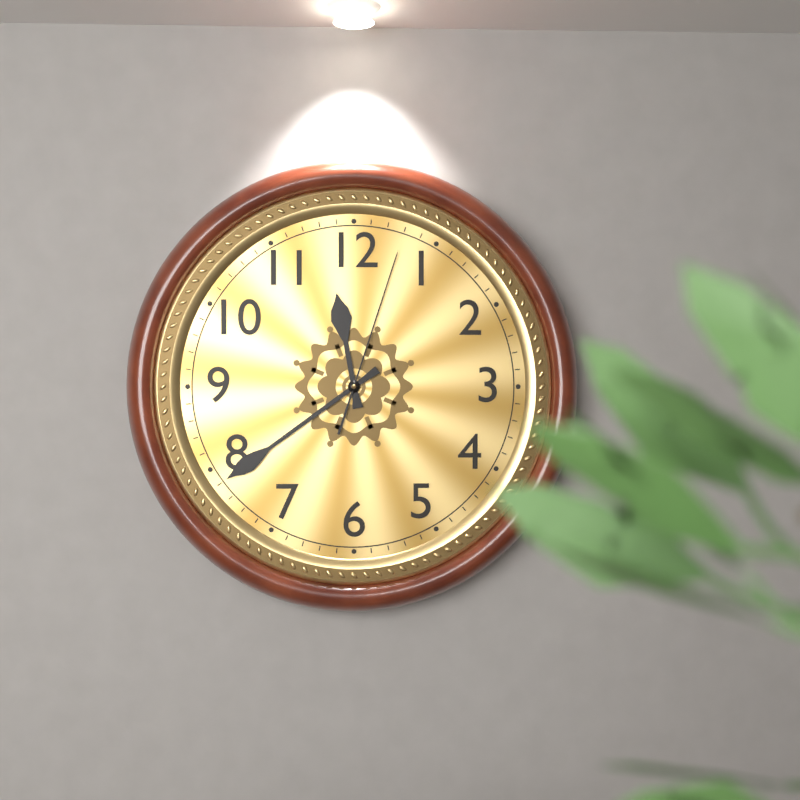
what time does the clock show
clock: 11:39:03
